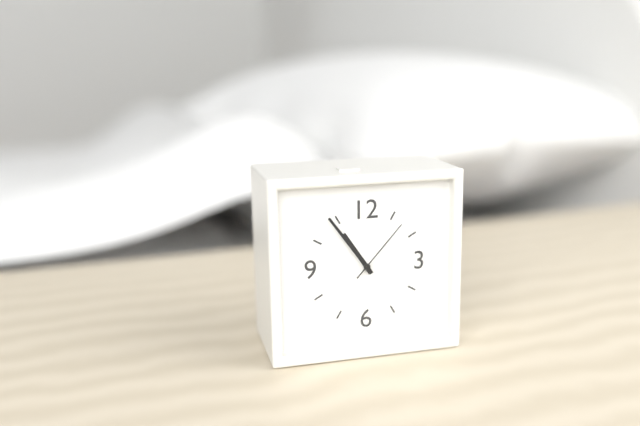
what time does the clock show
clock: 10:54:07
